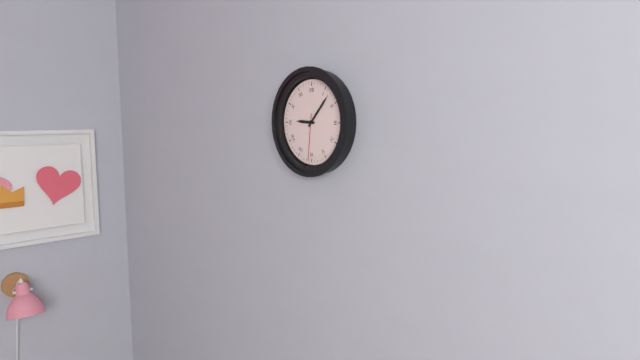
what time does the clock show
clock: 9:07
